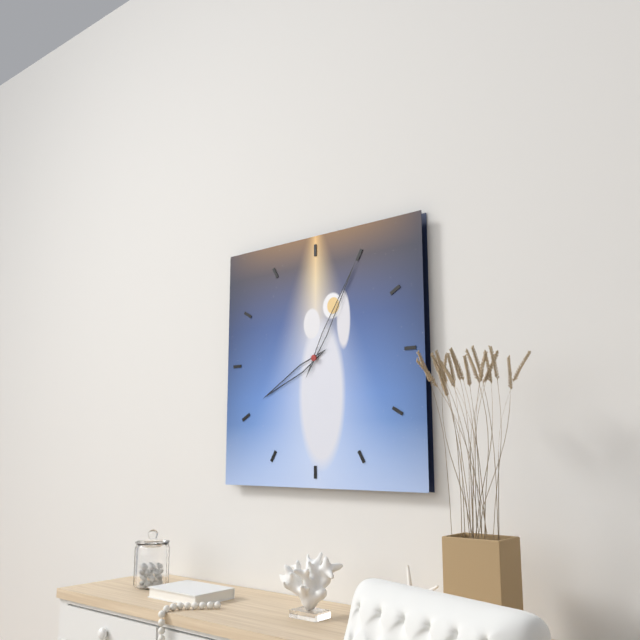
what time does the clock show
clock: 8:05
